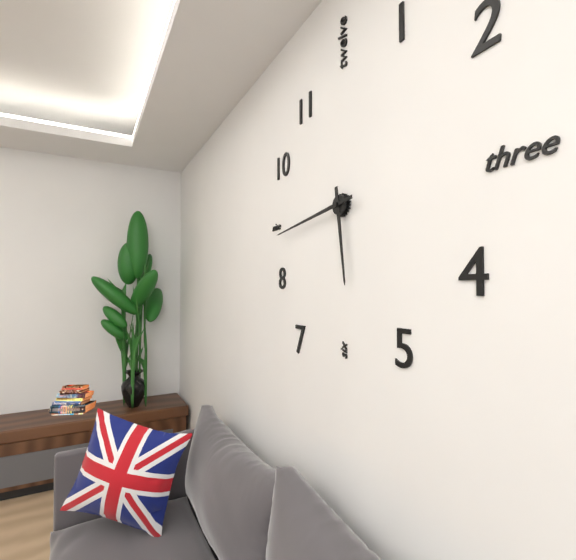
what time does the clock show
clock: 5:44
